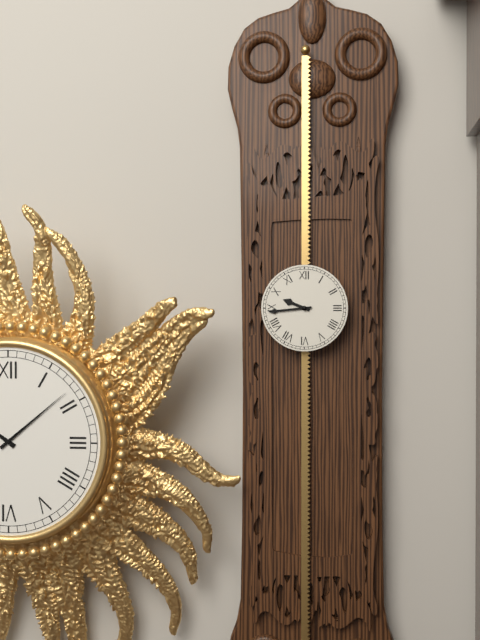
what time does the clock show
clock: 9:44
